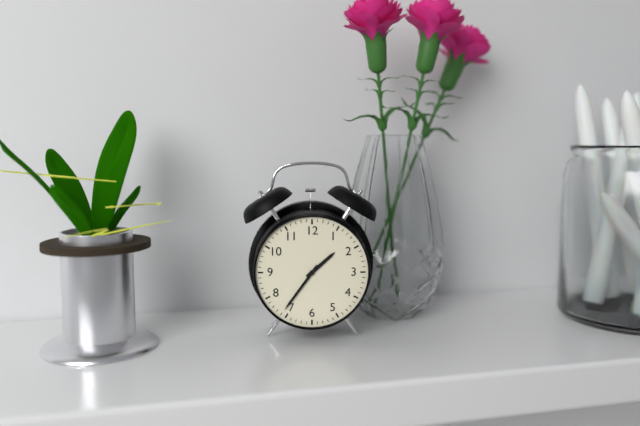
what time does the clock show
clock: 1:36
